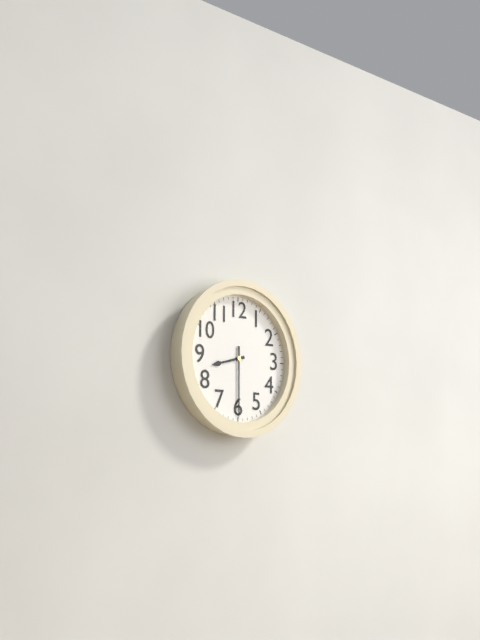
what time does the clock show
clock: 8:30
